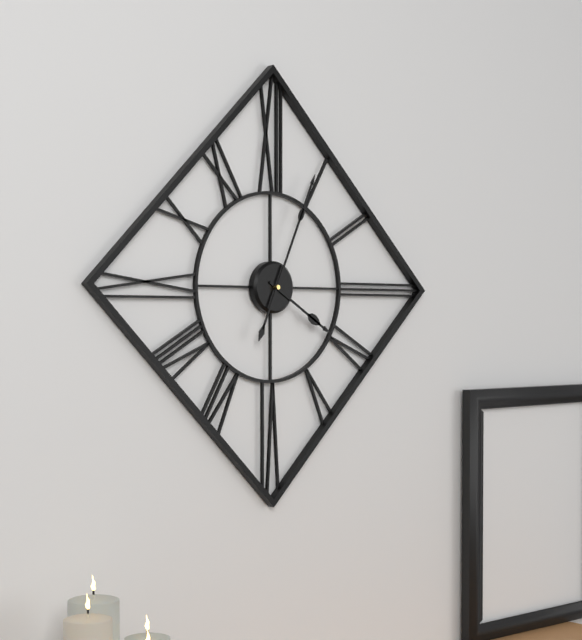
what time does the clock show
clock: 4:04
